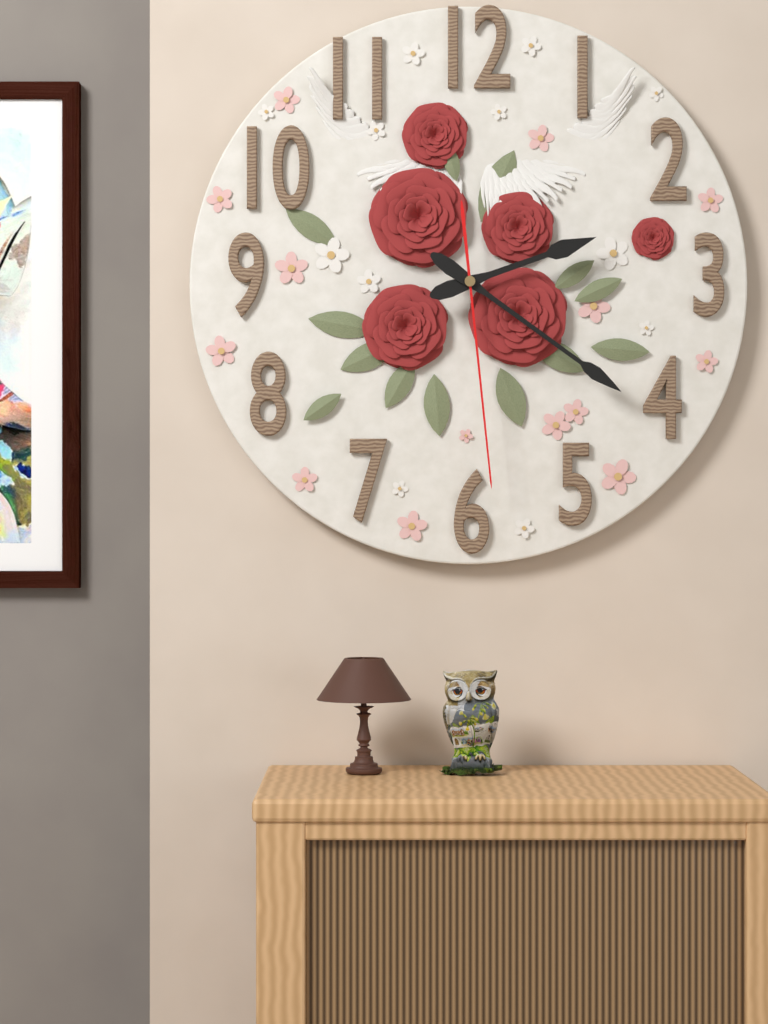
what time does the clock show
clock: 2:21:29
